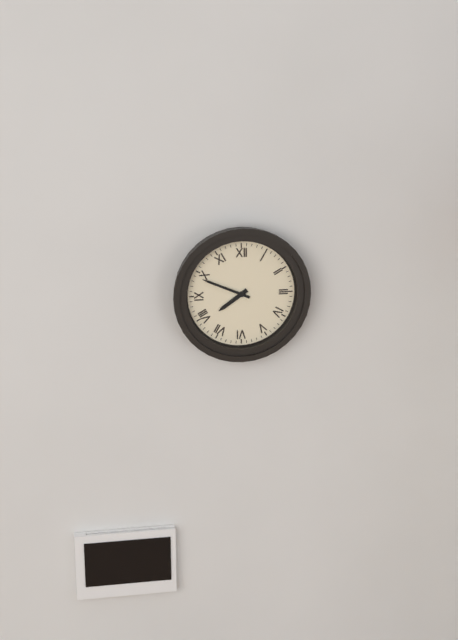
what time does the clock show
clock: 7:49
